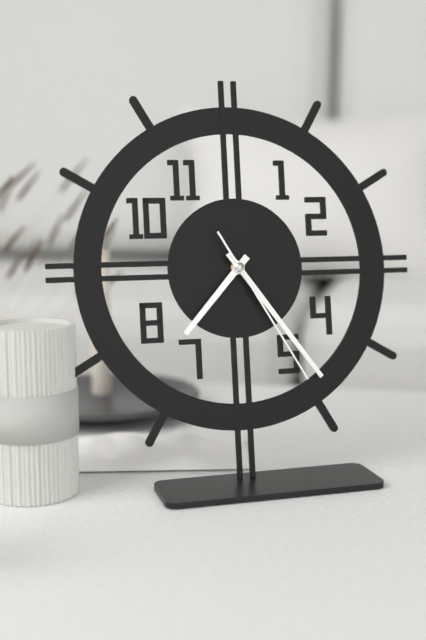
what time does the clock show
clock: 7:24:25
